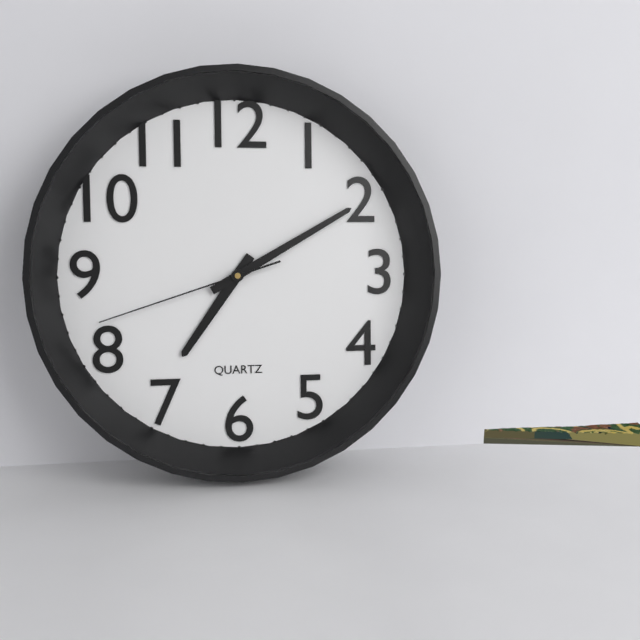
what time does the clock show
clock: 7:10:42
